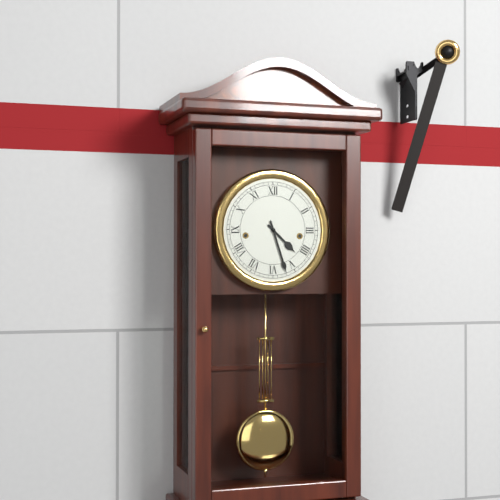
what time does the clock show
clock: 4:27
